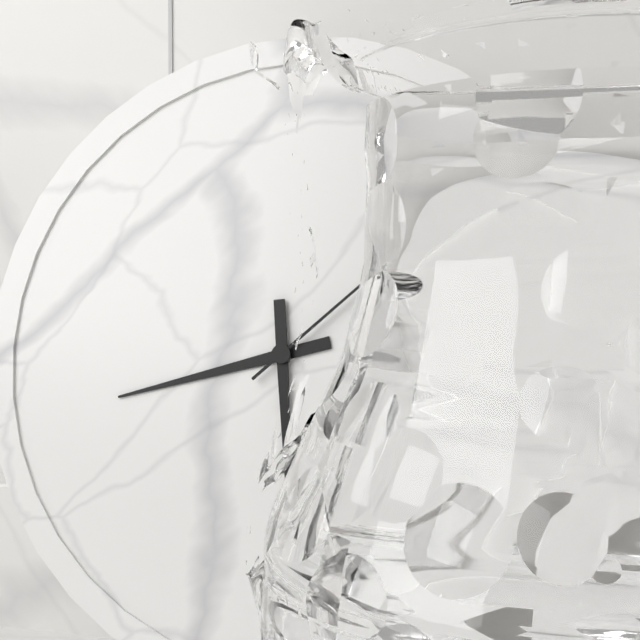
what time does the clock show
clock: 8:29:08
